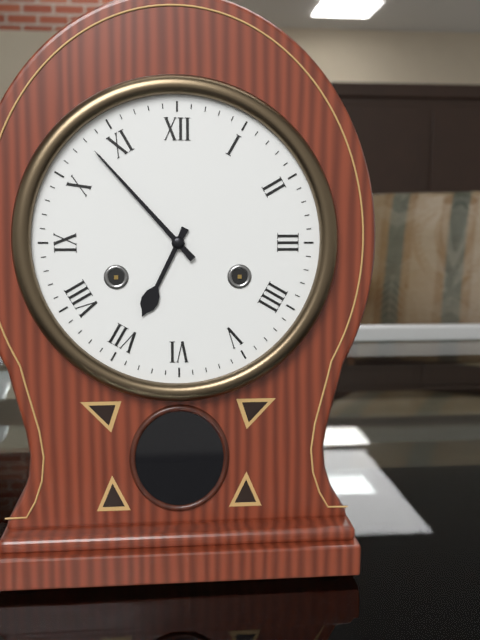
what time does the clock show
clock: 6:53
